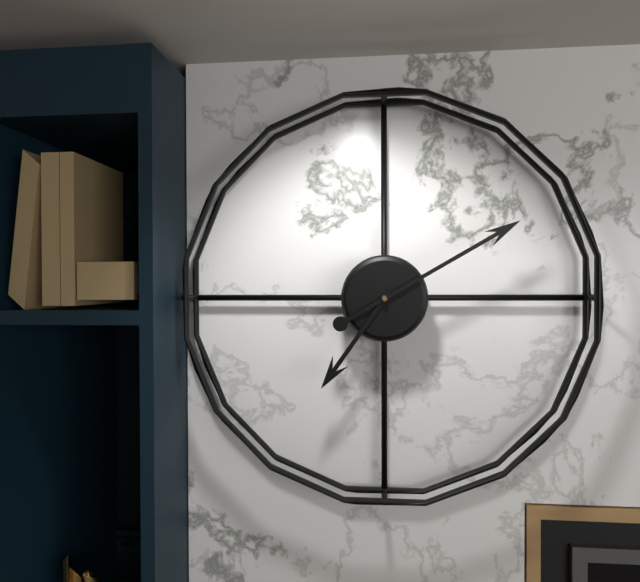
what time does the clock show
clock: 7:10
